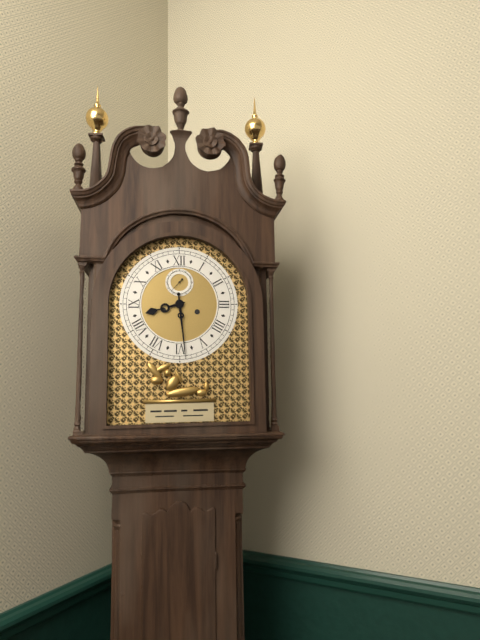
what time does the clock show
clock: 8:29
